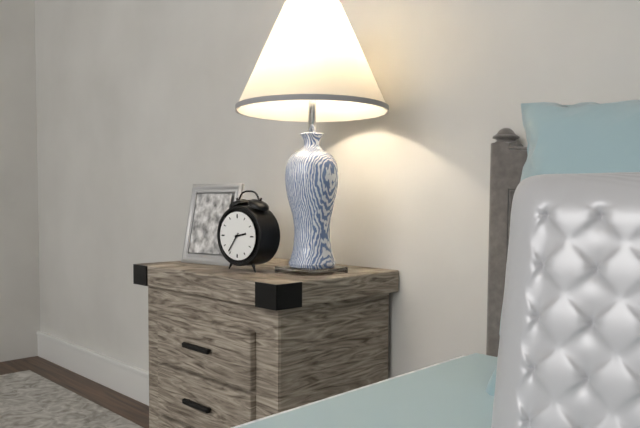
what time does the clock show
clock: 2:36
